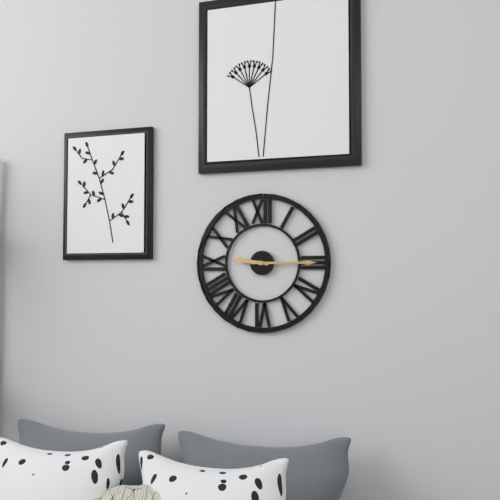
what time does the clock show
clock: 9:15
